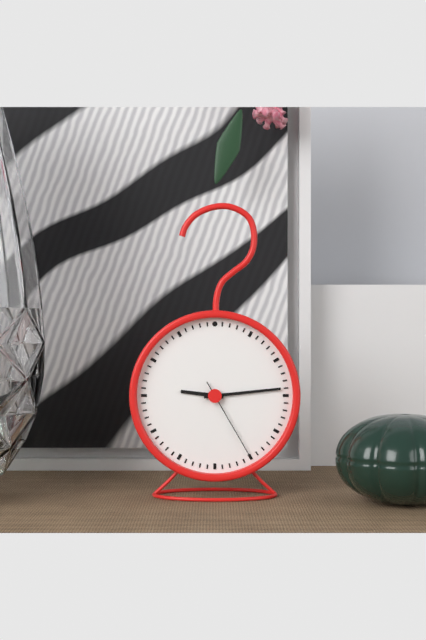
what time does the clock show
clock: 9:14:25
